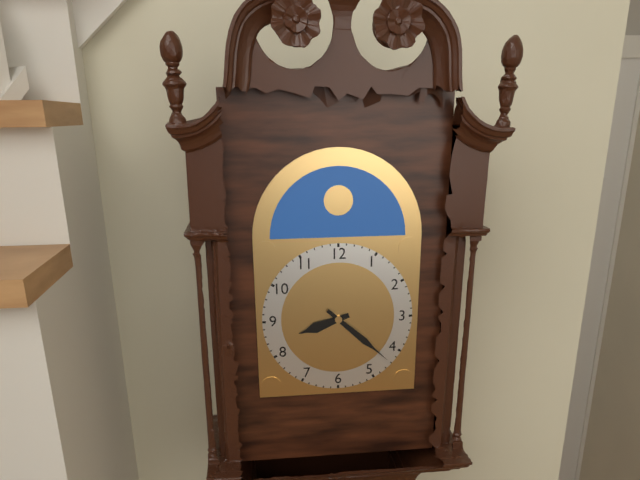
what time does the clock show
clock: 8:22
